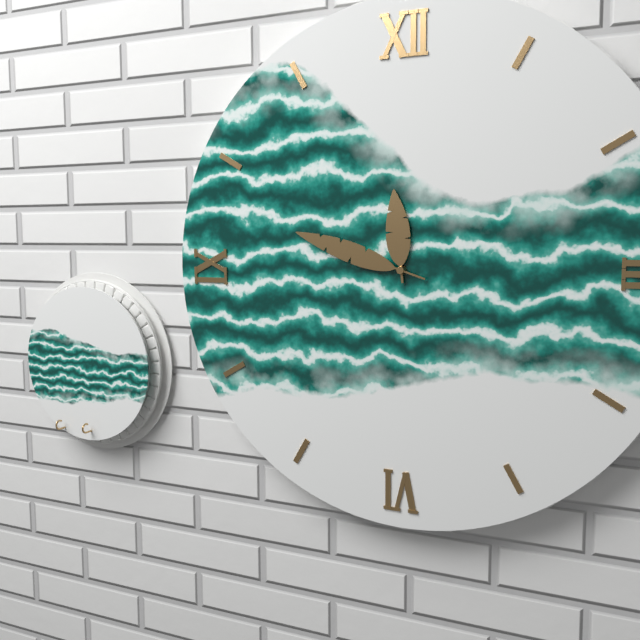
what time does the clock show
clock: 11:48
